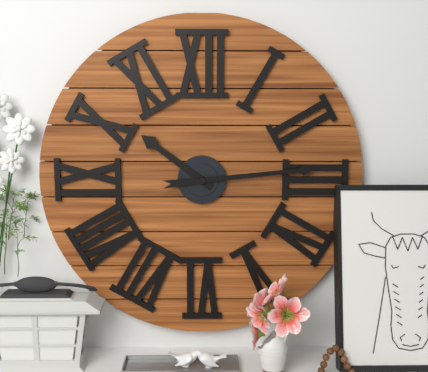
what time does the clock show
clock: 10:14
